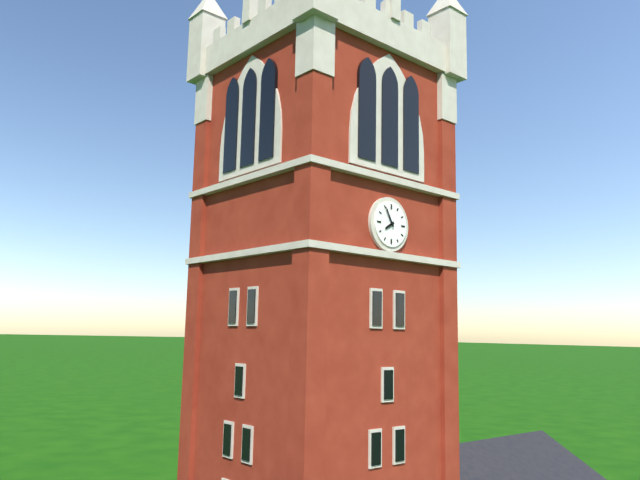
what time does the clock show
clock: 7:55
